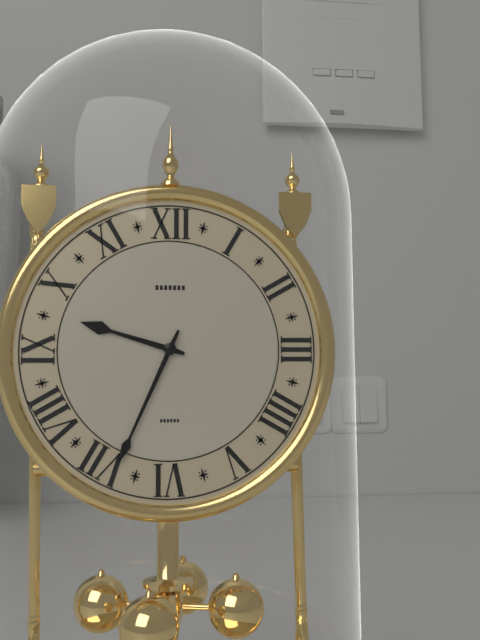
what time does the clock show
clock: 9:34
